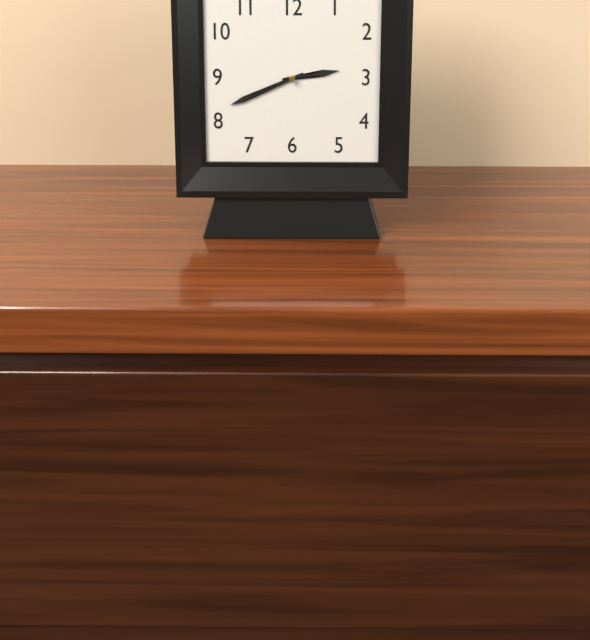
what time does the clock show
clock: 2:41
